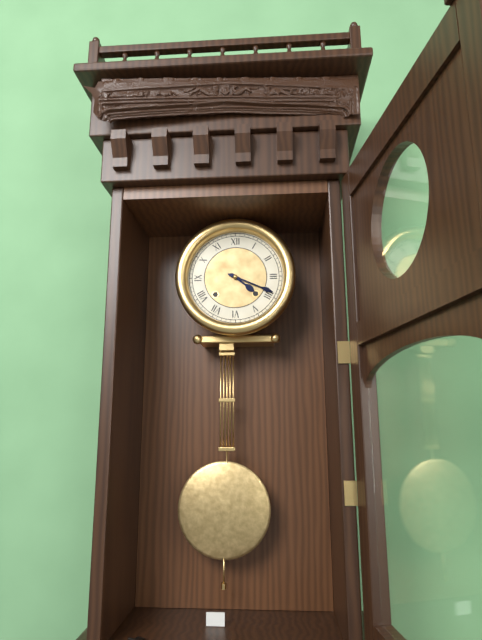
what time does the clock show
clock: 4:19
